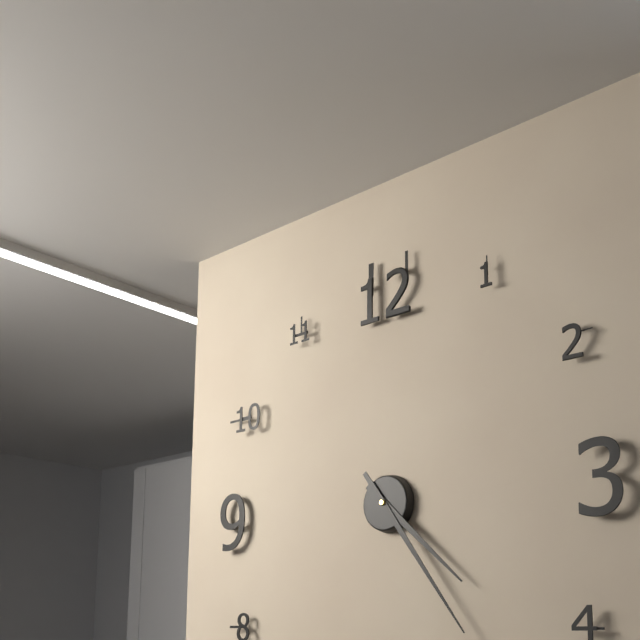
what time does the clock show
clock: 4:24
